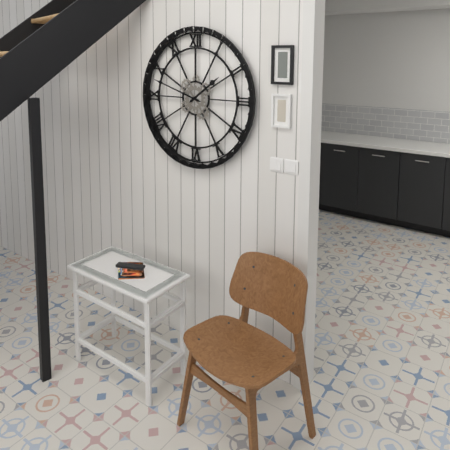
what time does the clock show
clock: 1:48
